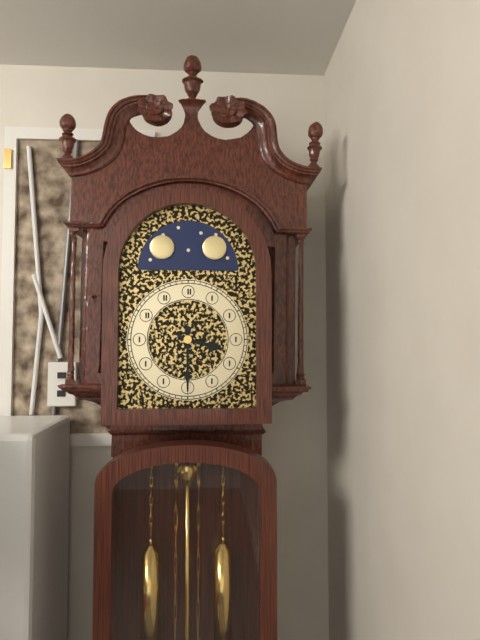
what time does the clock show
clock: 3:30
